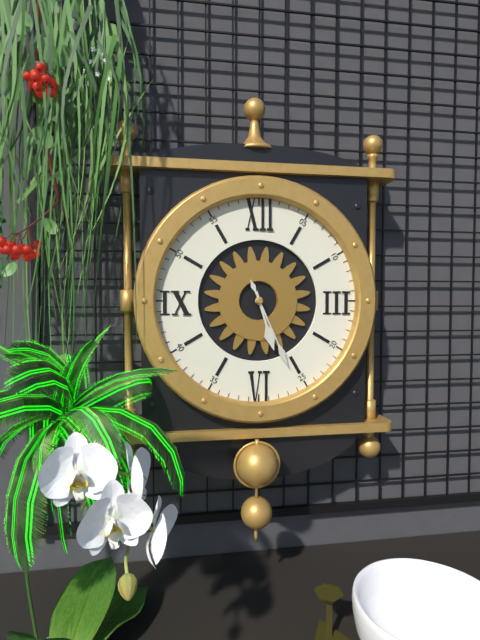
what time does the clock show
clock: 5:26
